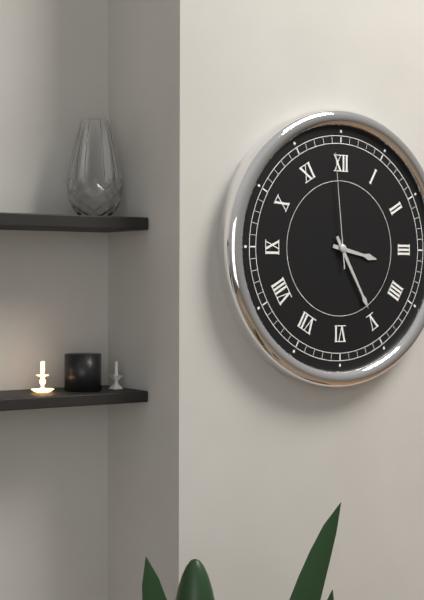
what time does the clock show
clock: 3:25:59
